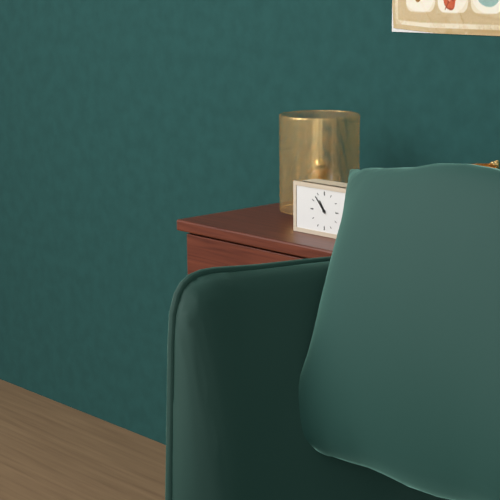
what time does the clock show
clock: 10:53
